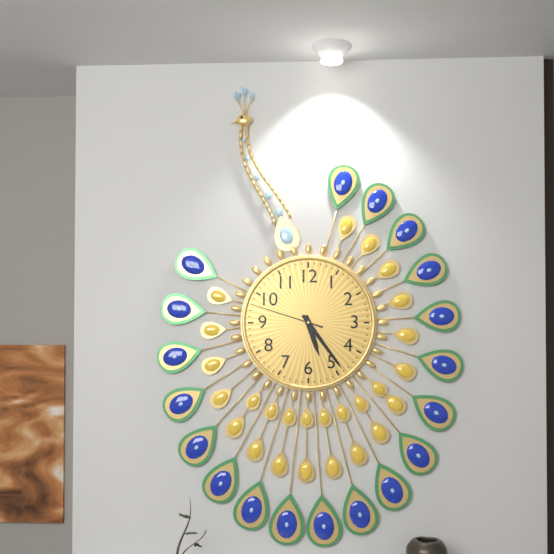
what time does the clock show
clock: 5:24:48
